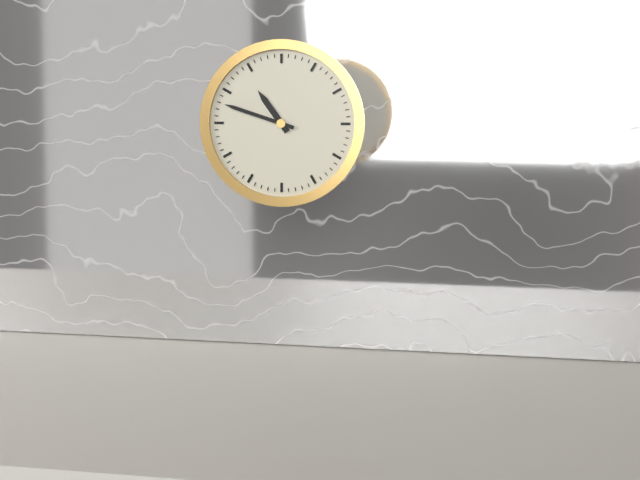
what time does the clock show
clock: 10:48
